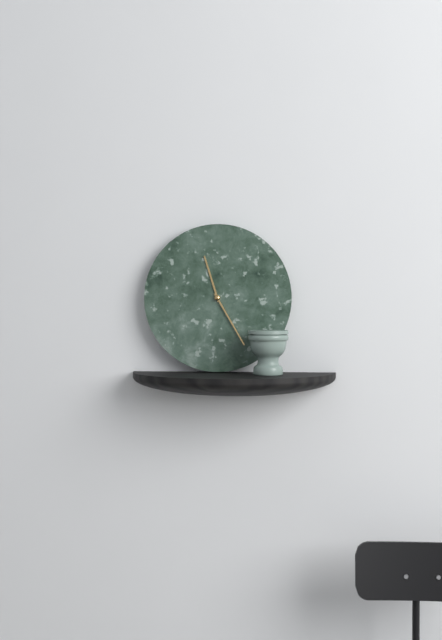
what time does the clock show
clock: 11:25
